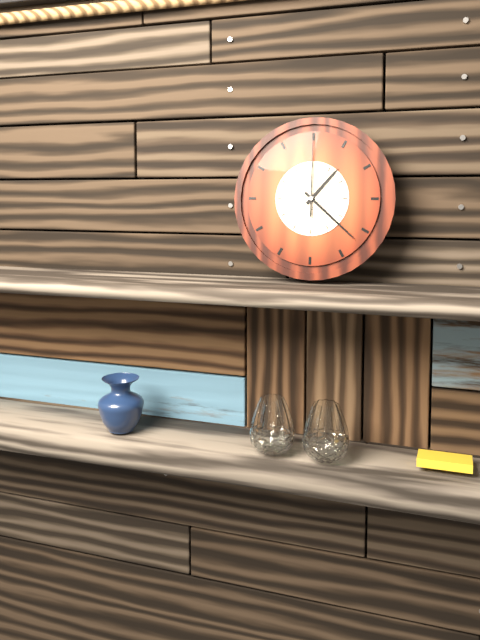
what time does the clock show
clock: 1:22:00
